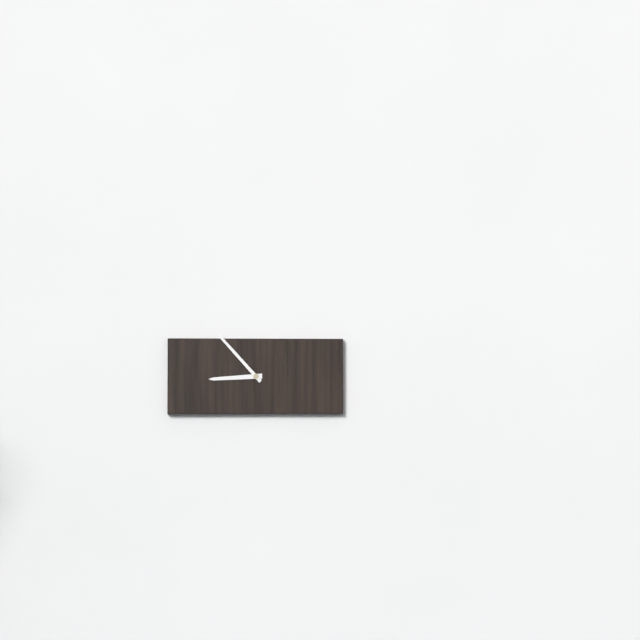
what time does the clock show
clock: 8:53
